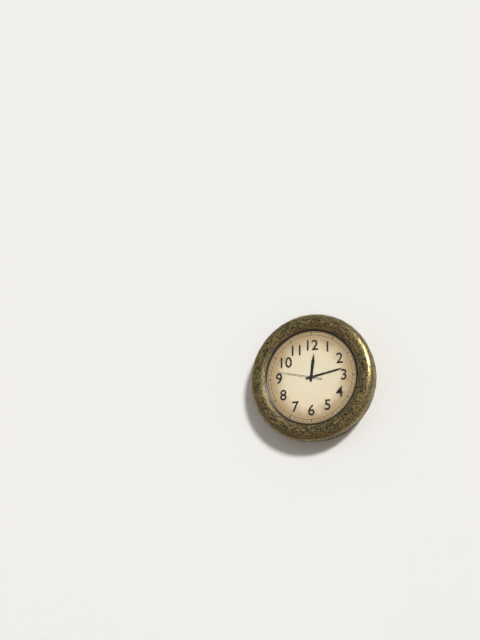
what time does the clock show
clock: 12:13
